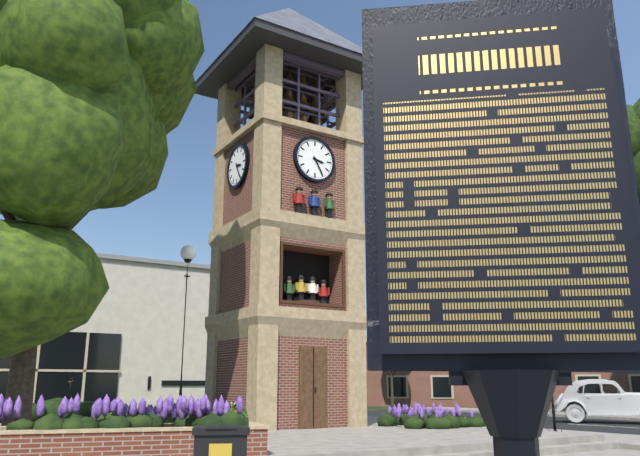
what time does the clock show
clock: 3:25
